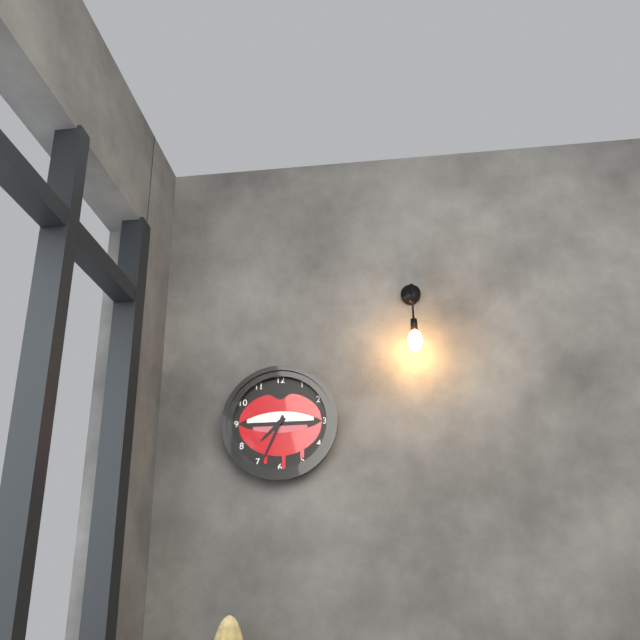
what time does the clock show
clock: 7:34
